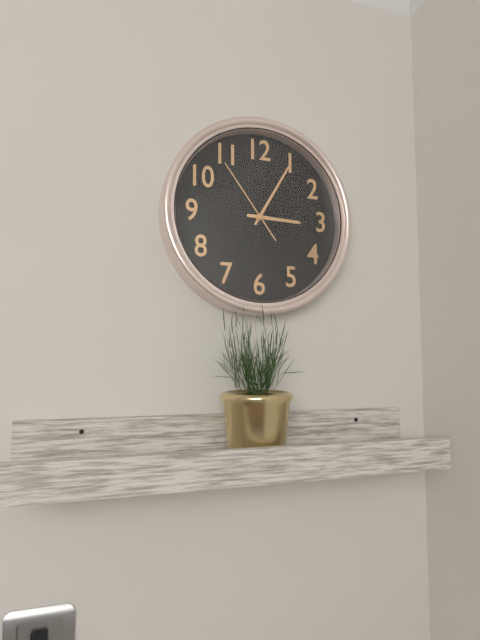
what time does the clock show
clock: 3:05:54
